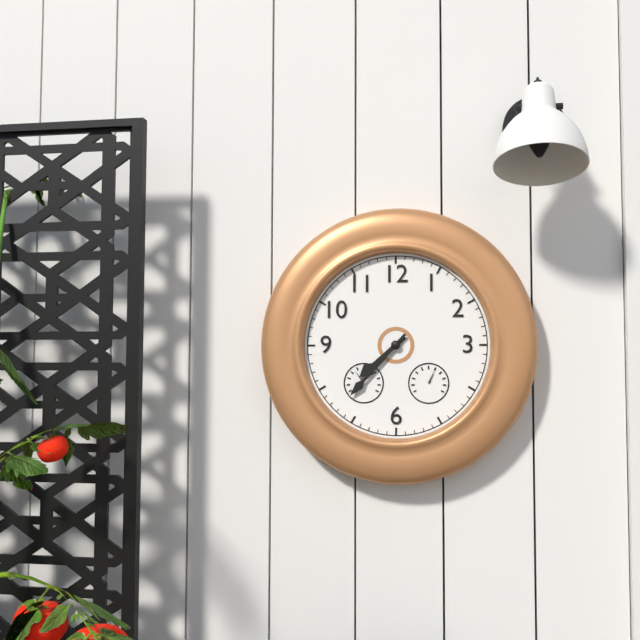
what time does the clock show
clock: 7:37
